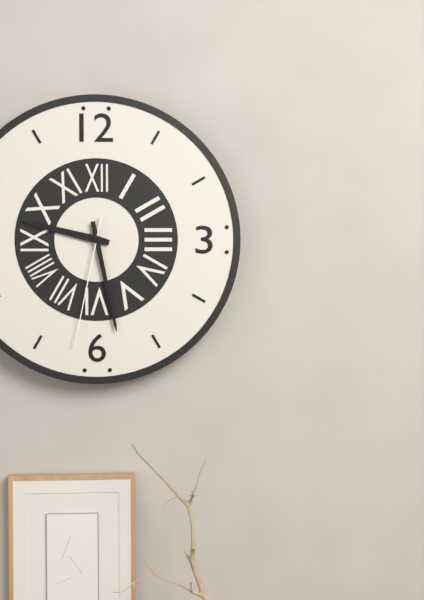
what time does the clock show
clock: 9:28:32
